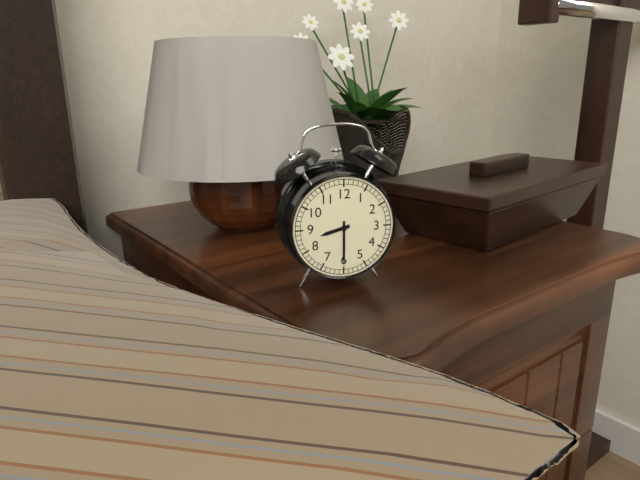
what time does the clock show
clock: 8:30
